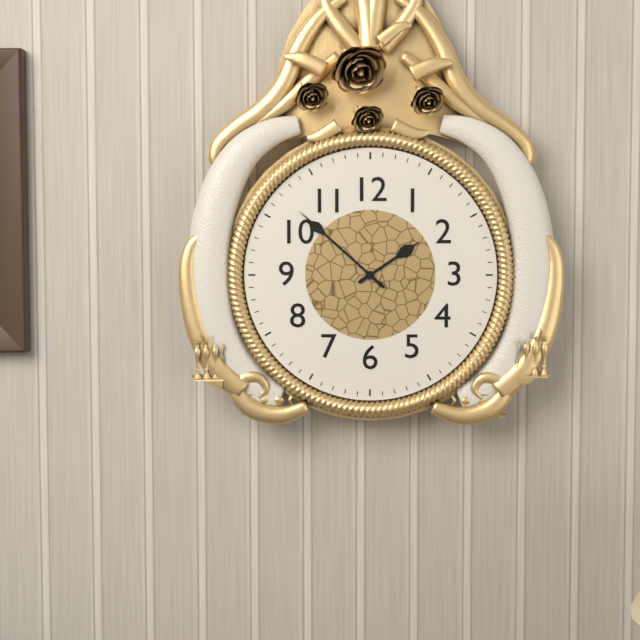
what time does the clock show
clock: 1:52
